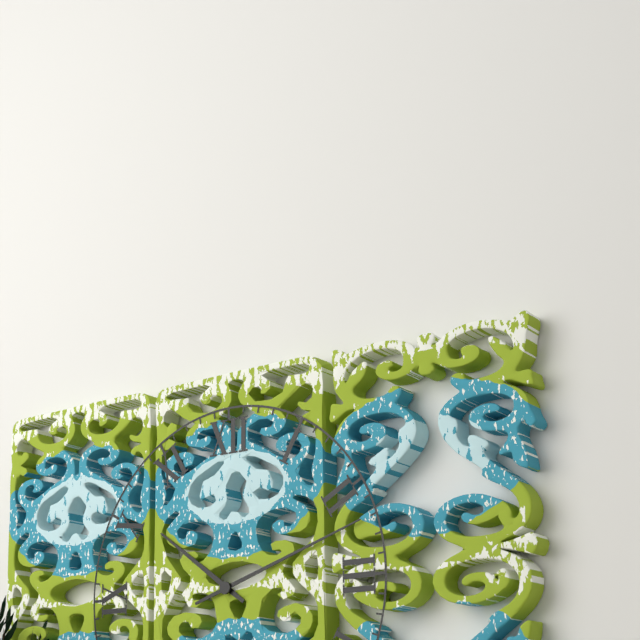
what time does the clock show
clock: 10:12
